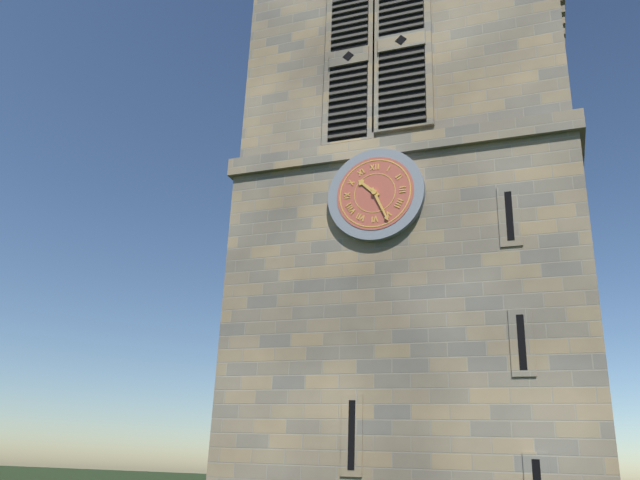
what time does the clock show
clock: 10:26
